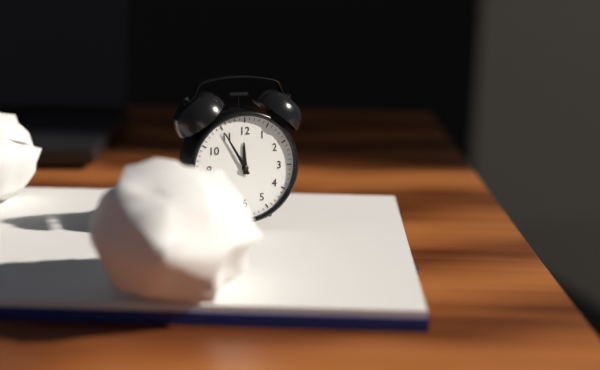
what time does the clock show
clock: 11:55
